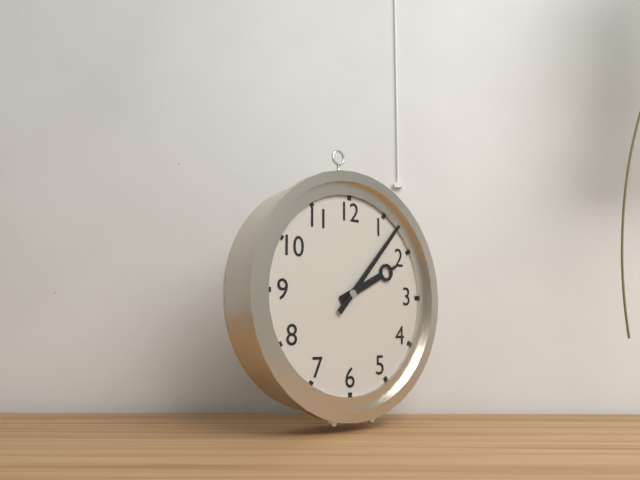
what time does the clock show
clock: 2:07
